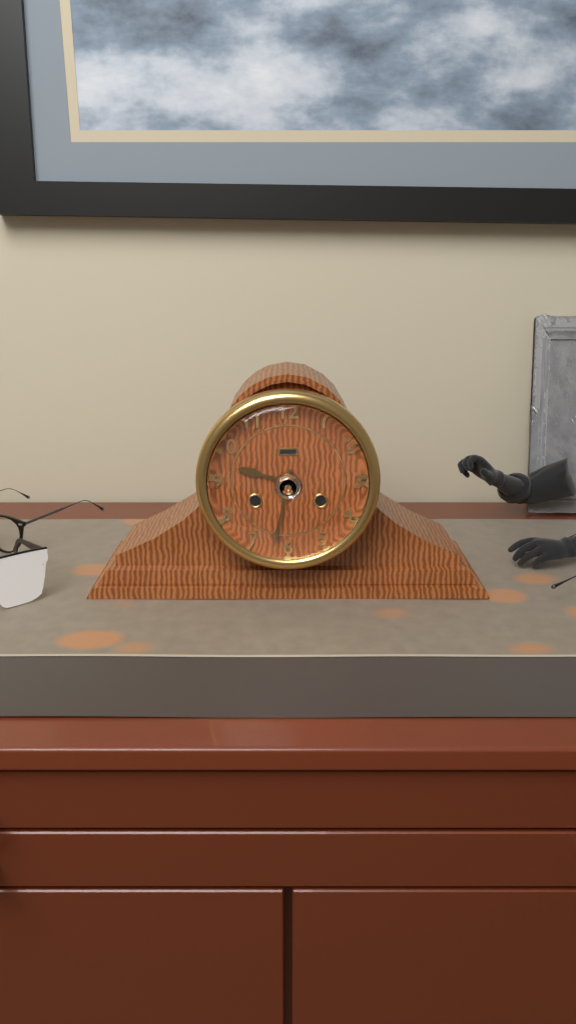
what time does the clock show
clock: 9:32
